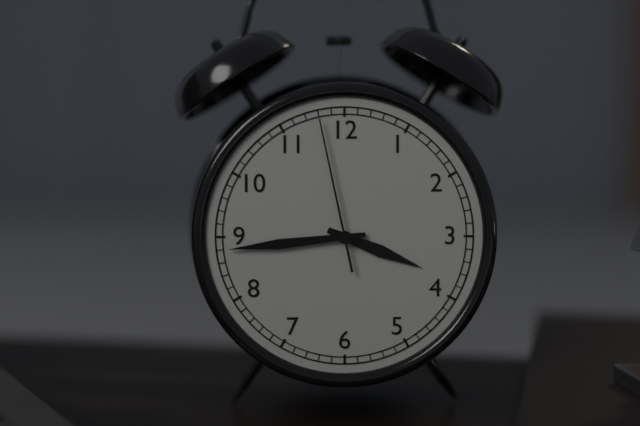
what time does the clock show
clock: 3:44:58
